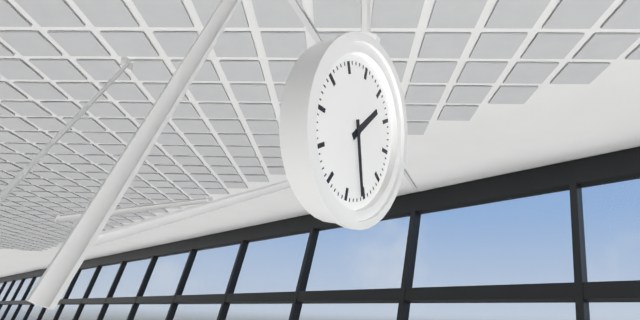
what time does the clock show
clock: 1:26
